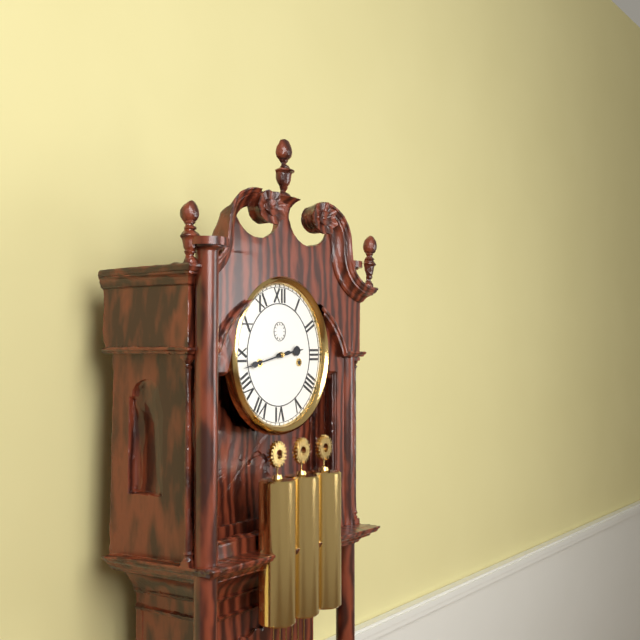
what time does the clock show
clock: 2:43
